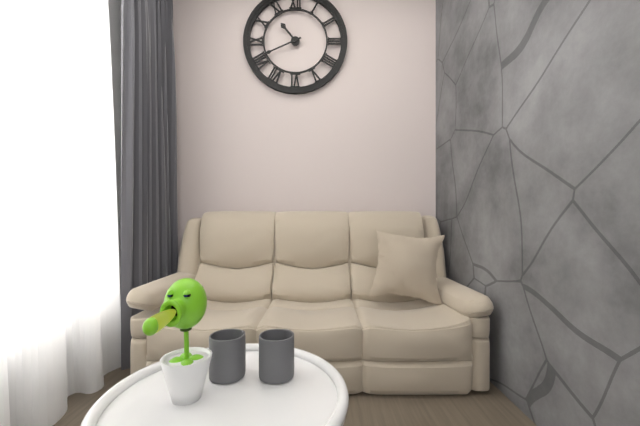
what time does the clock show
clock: 10:41
